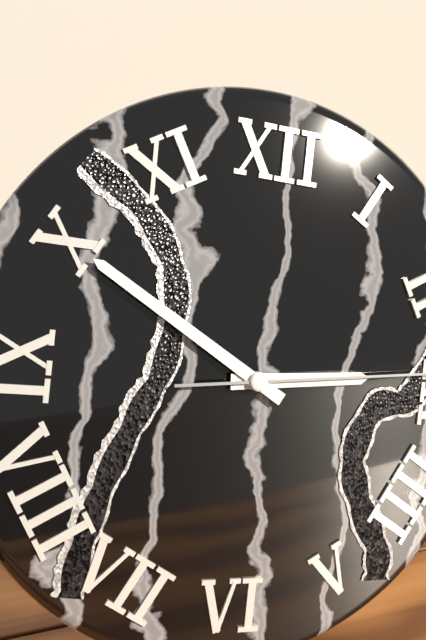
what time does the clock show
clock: 2:50
